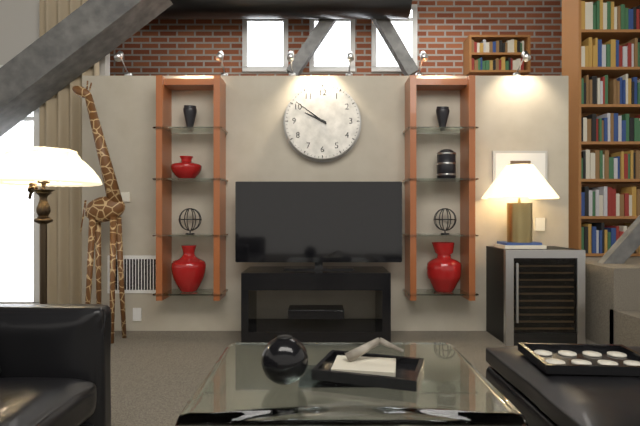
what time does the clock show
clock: 9:51
